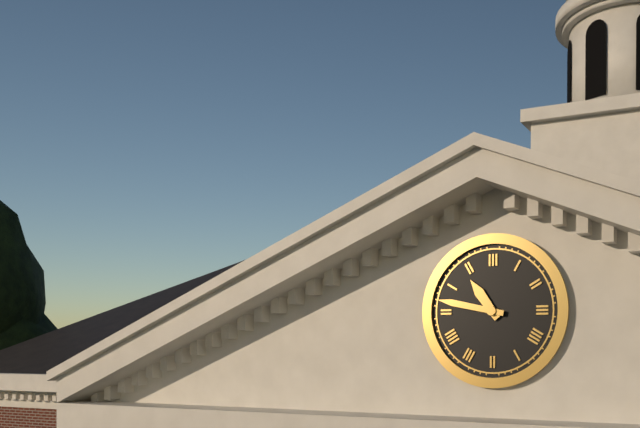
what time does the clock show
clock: 10:47
